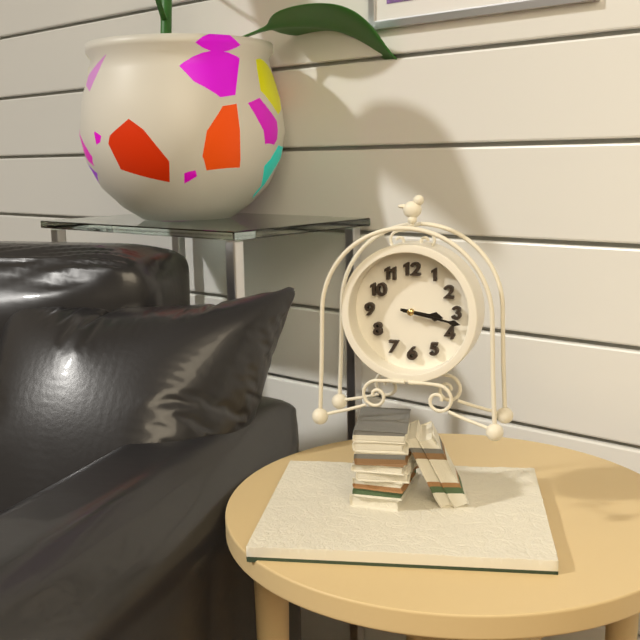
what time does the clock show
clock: 3:17
